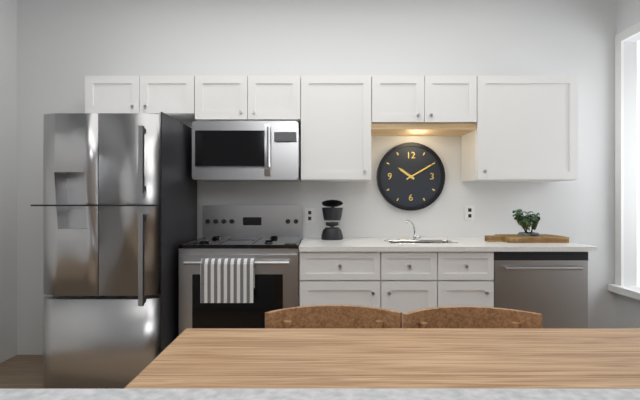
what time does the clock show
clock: 10:10
